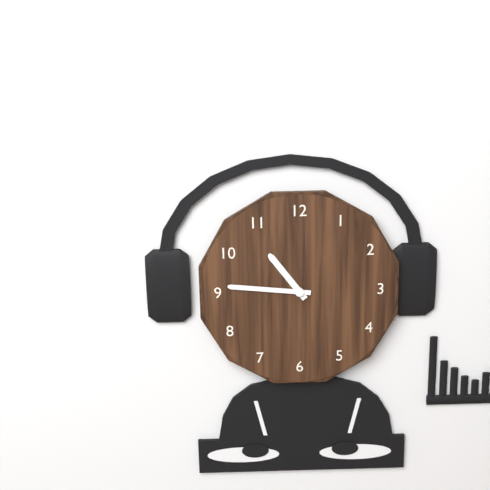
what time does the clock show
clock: 10:46
